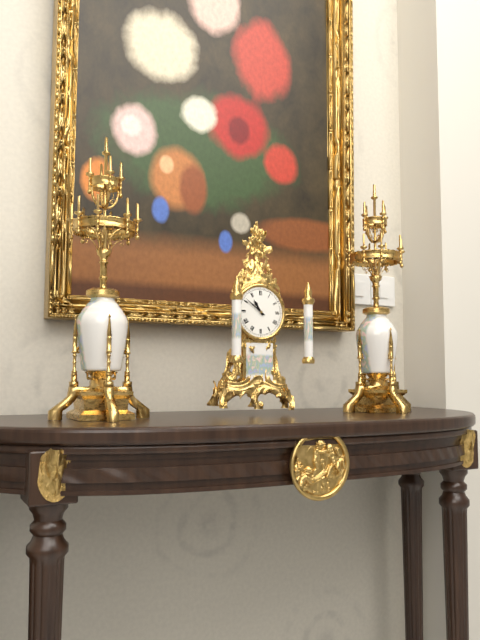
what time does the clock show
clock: 10:51
